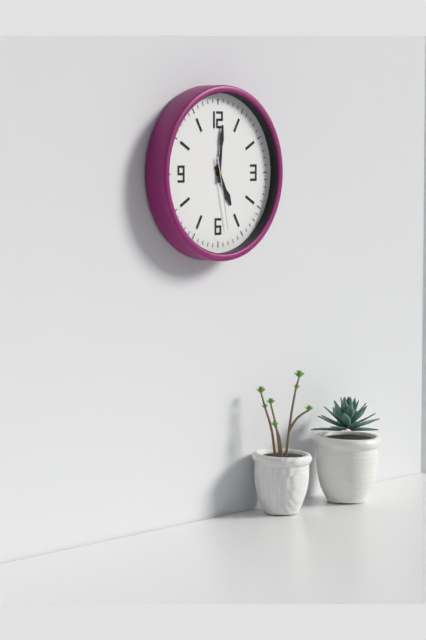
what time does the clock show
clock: 5:01:28
